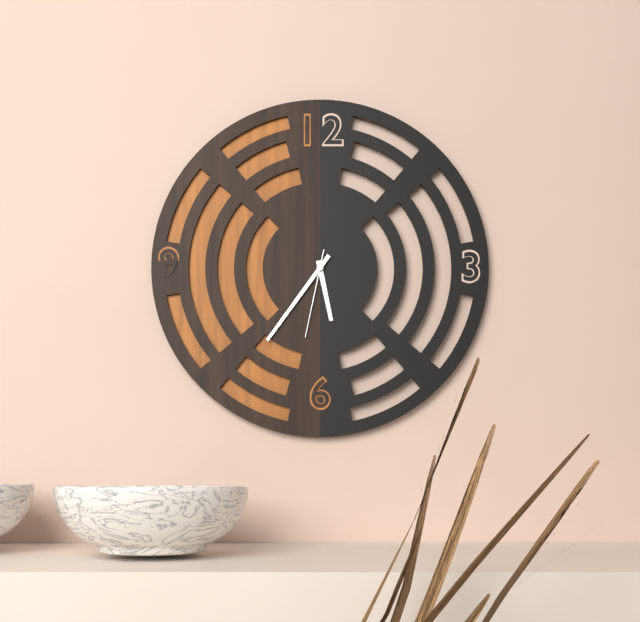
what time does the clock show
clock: 5:36:32
